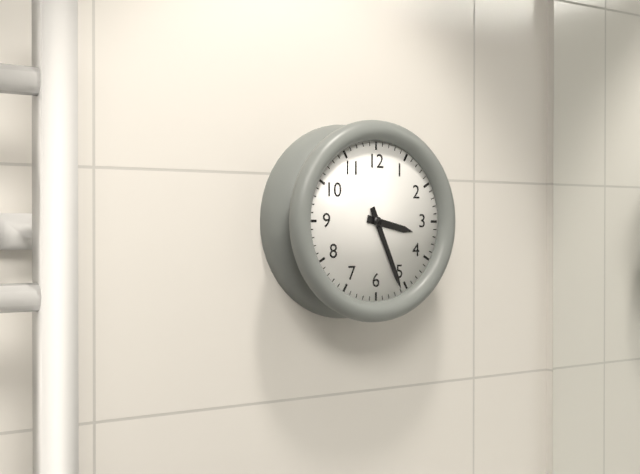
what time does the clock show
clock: 3:26
